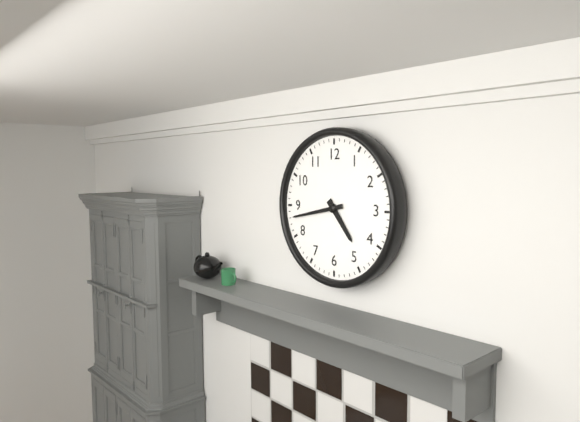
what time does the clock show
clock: 4:43
